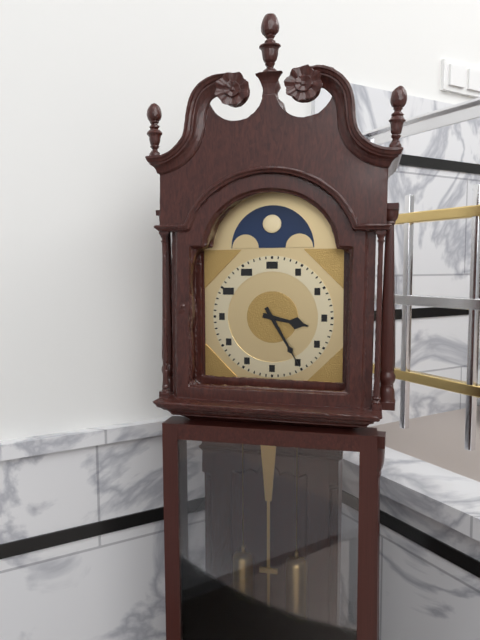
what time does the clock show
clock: 3:25
